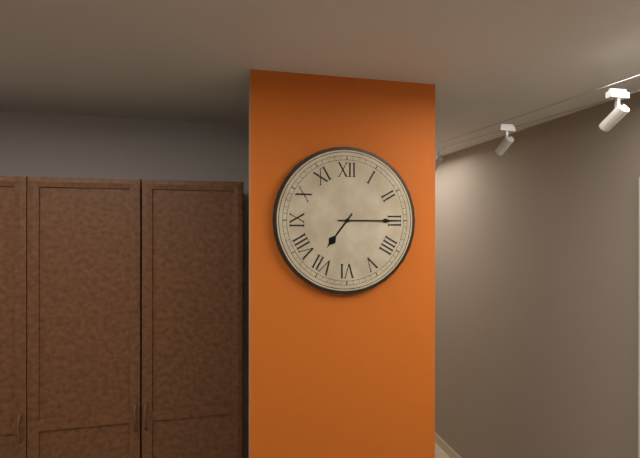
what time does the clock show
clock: 7:15
